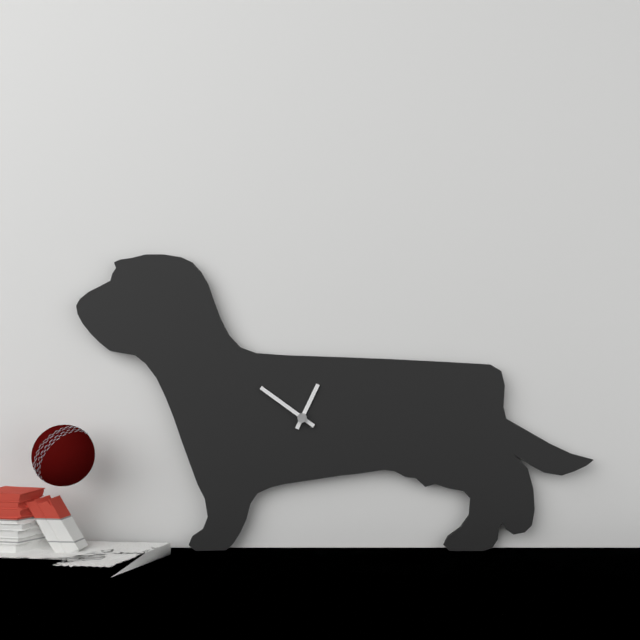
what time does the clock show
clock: 12:51
